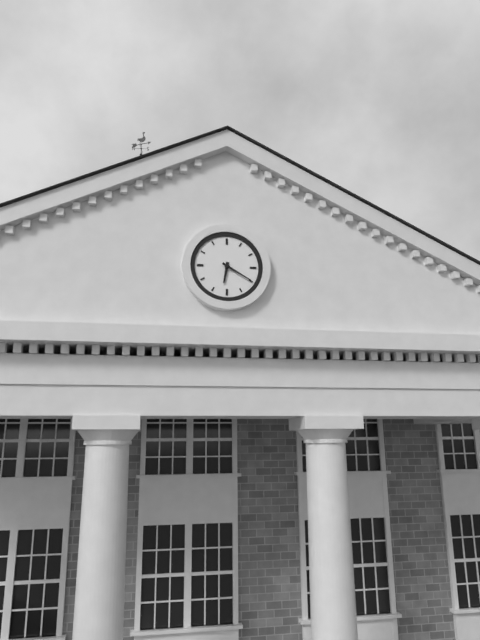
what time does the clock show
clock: 6:20
